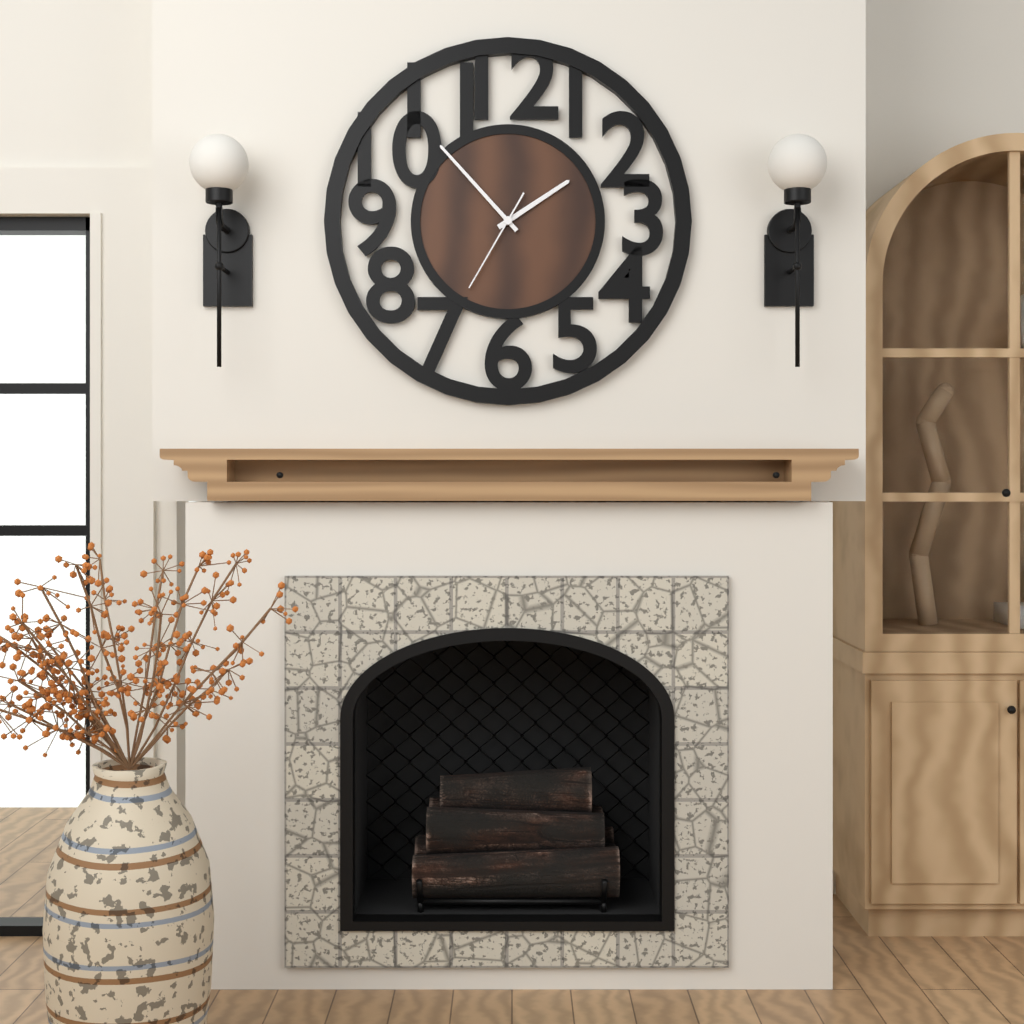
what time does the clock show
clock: 1:53:35
